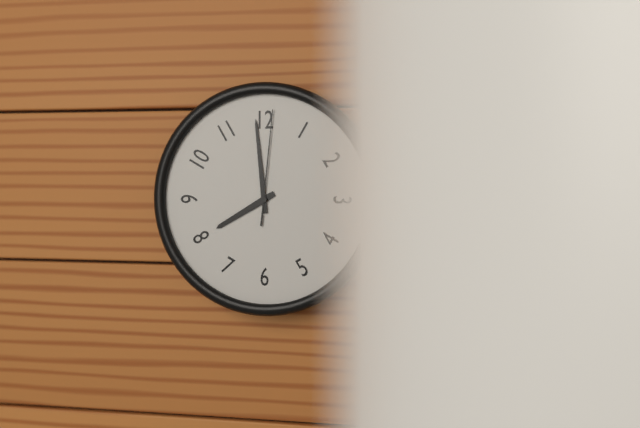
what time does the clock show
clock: 7:59:01
